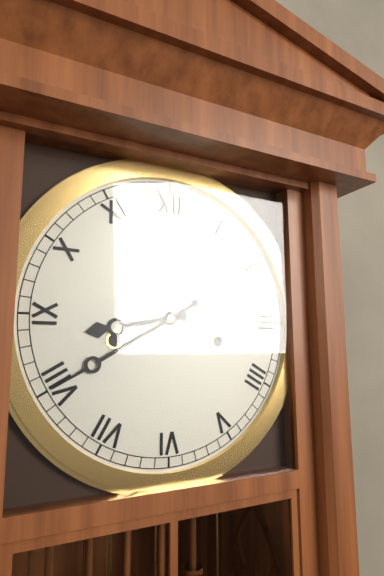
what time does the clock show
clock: 8:40
